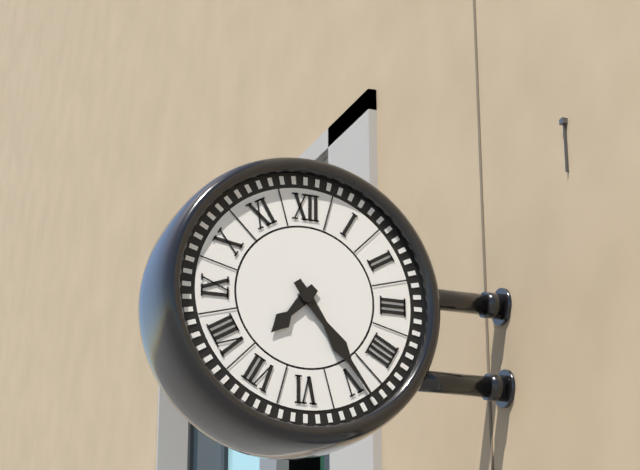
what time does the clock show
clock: 7:24
